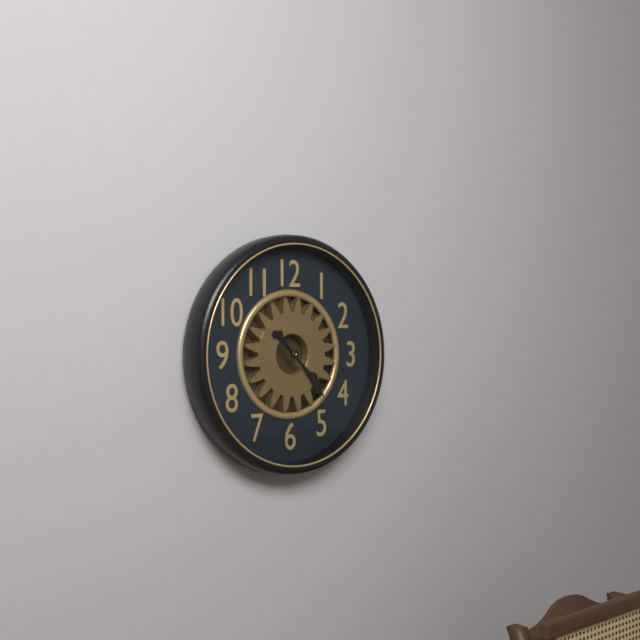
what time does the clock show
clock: 4:23
